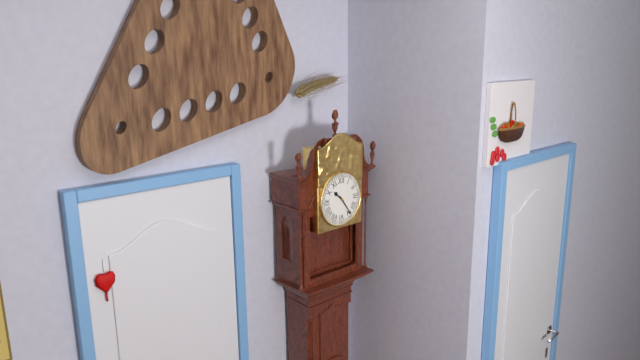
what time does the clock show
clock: 10:24
